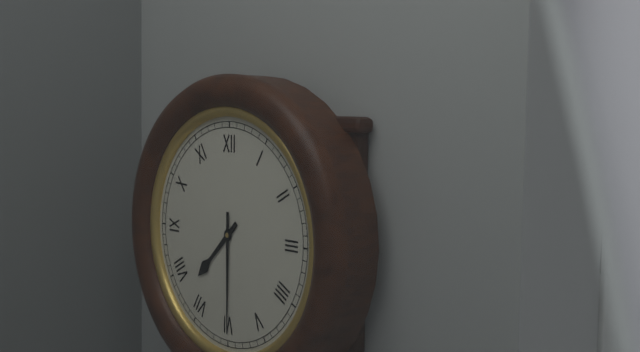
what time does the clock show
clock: 7:30
